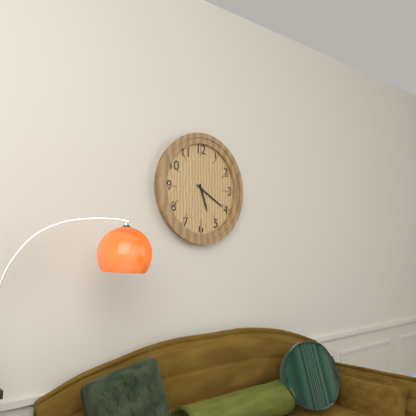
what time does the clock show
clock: 5:20
